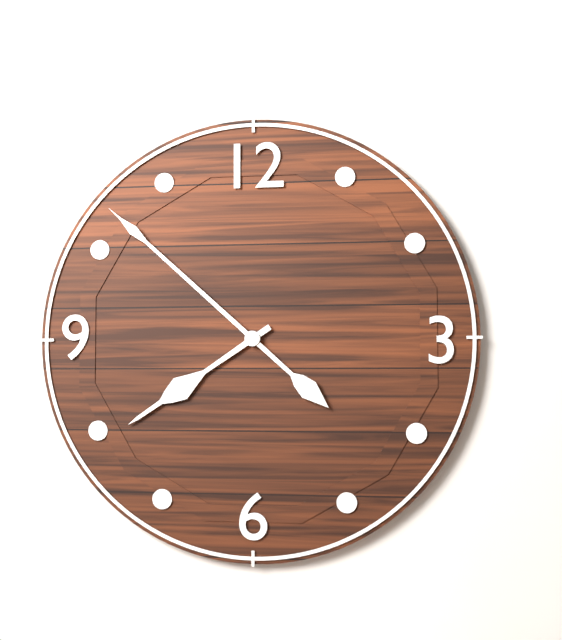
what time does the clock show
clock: 7:52
